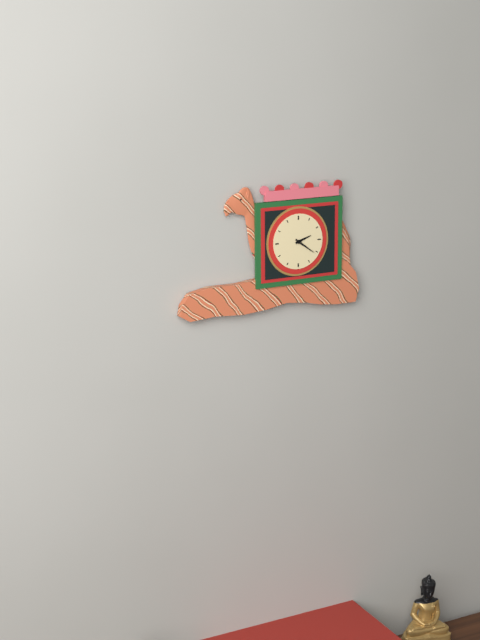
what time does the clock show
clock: 2:21
